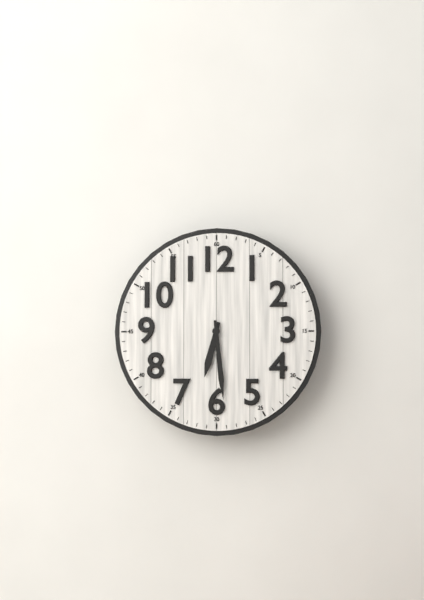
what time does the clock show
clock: 6:29
